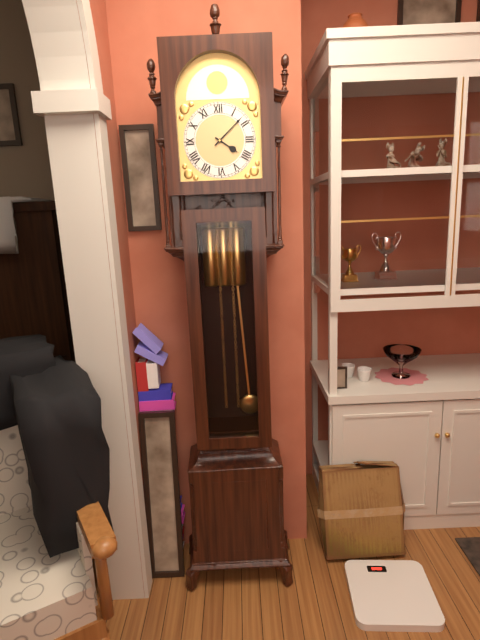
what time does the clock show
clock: 4:08
